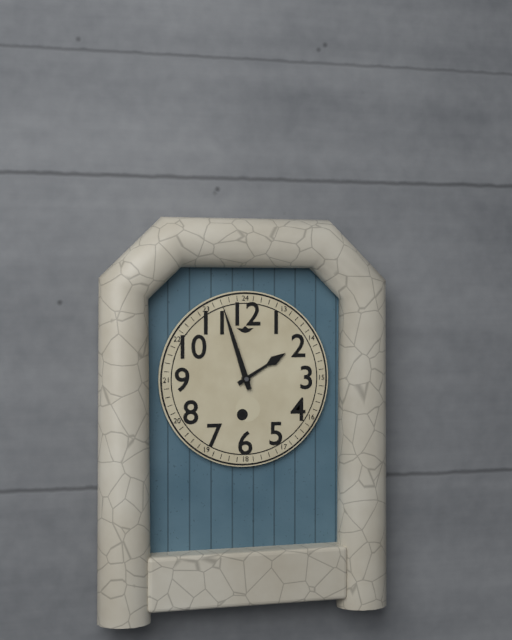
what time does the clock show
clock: 1:57
